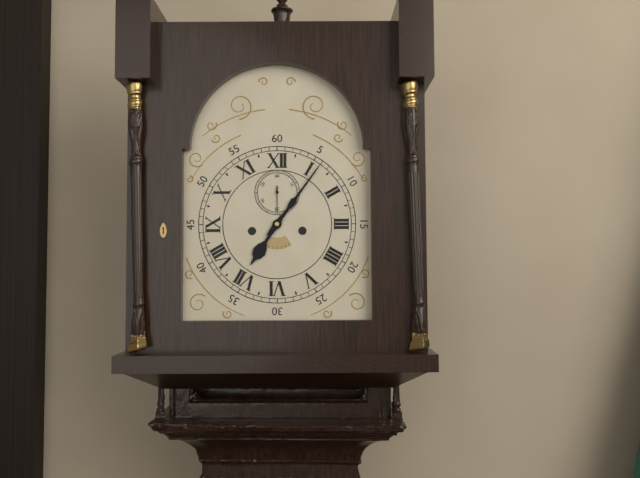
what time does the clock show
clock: 7:06
